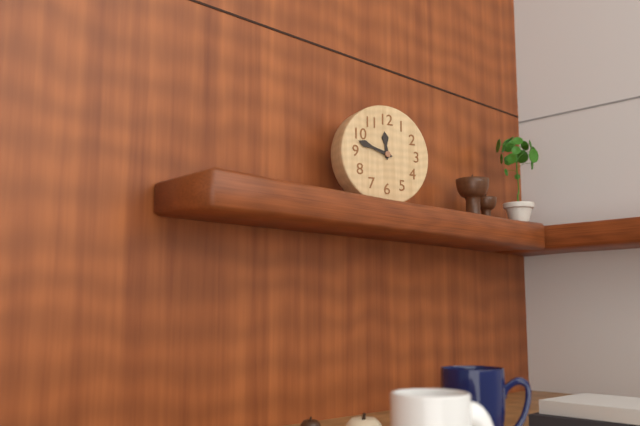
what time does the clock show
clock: 11:48
